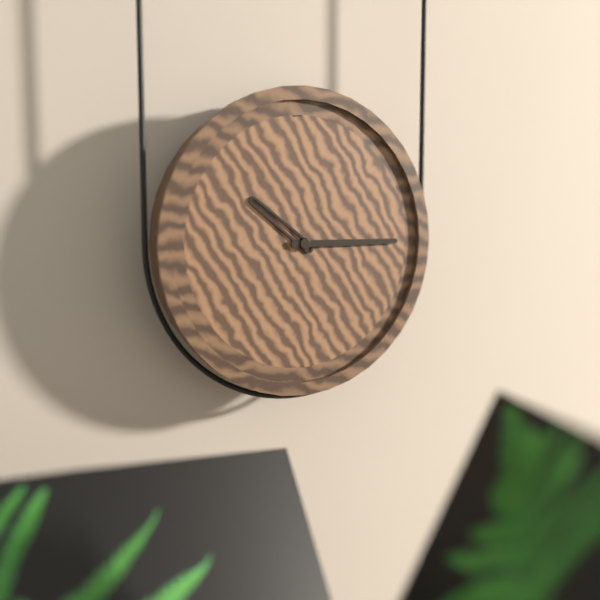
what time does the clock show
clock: 10:15
